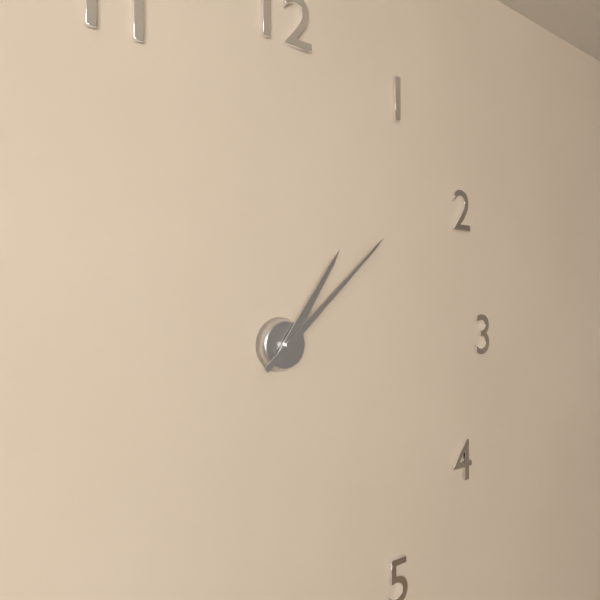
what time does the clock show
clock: 1:08
